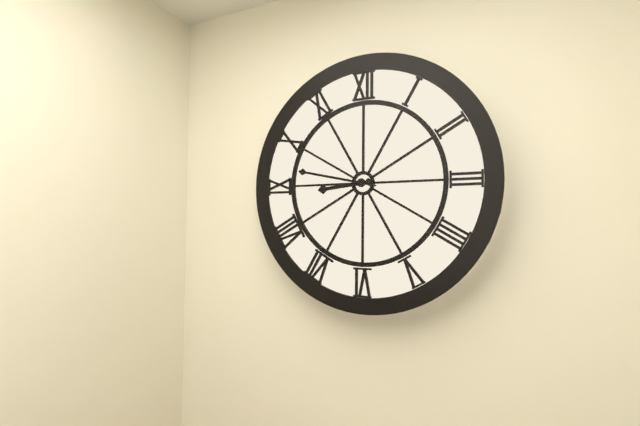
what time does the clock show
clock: 8:47
